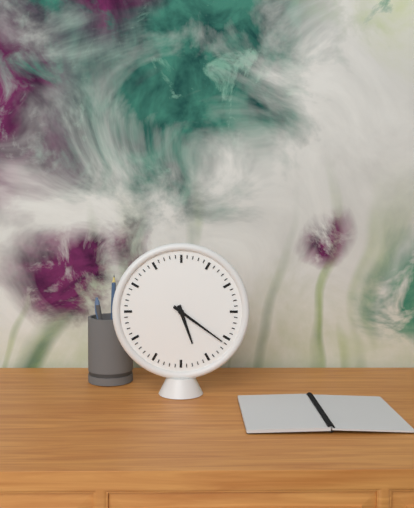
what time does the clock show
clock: 5:21
